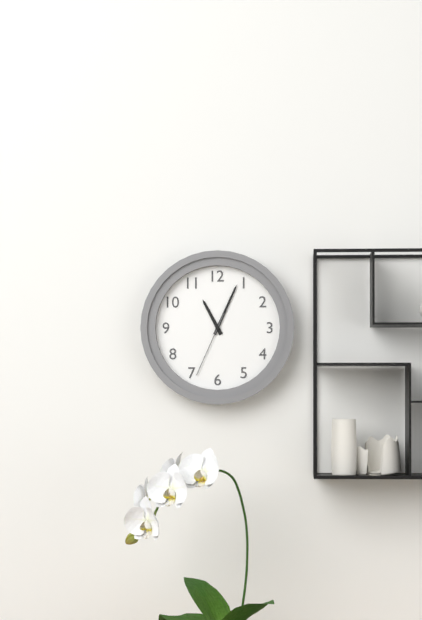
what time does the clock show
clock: 11:04:34
